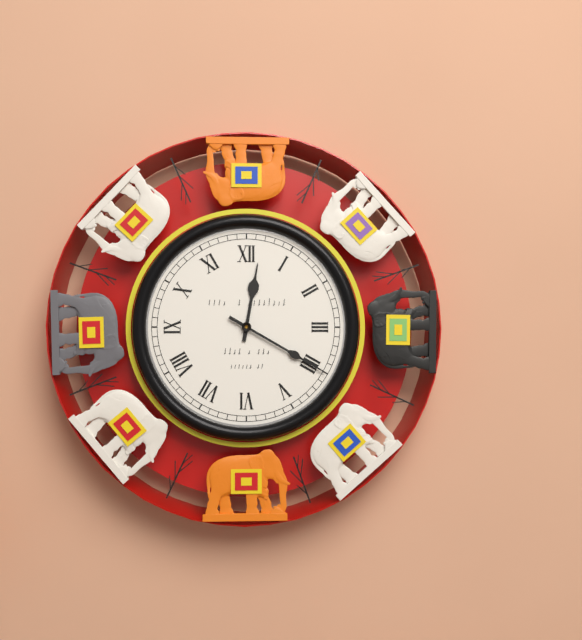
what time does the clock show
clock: 12:20
